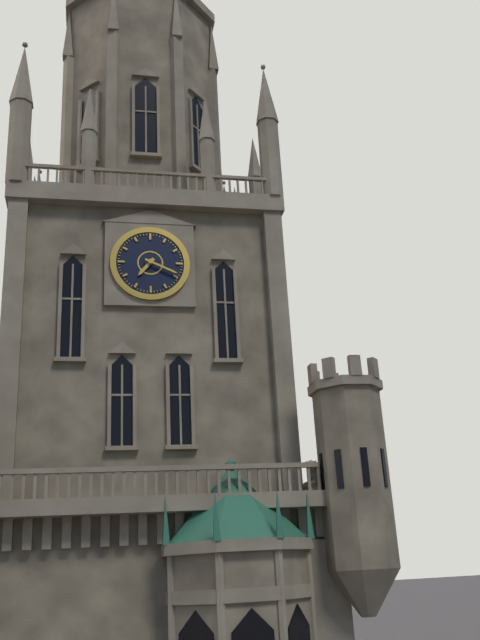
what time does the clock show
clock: 7:19
